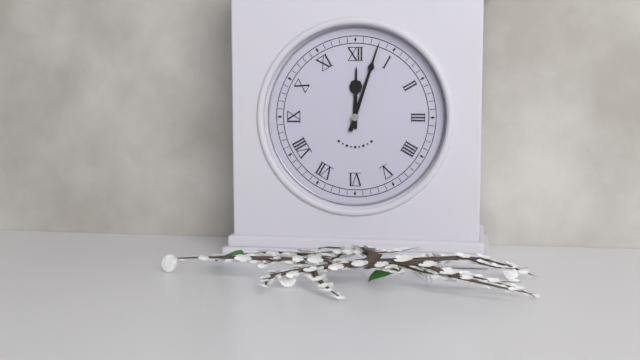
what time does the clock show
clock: 12:03
